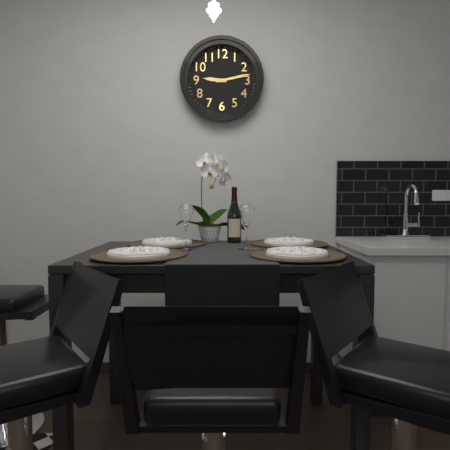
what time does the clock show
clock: 9:13
